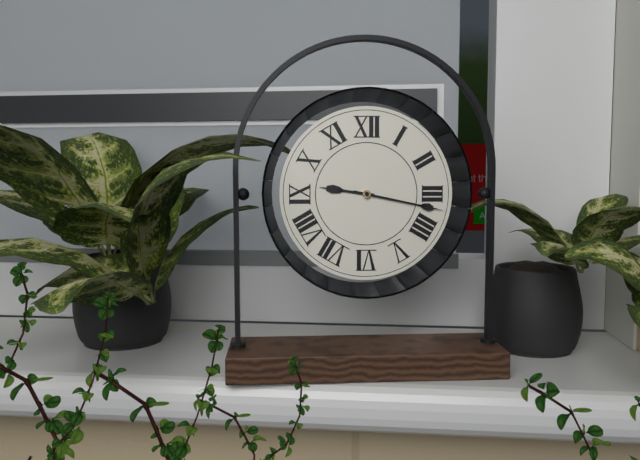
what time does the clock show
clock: 9:17
